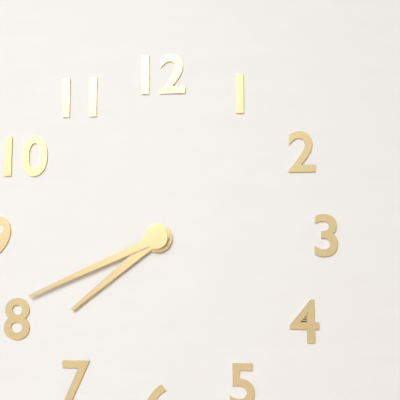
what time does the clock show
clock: 7:41
